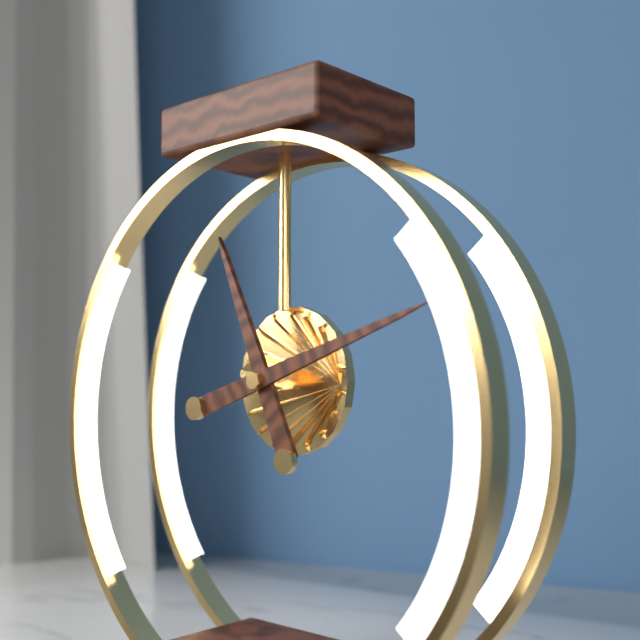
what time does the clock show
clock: 11:12
